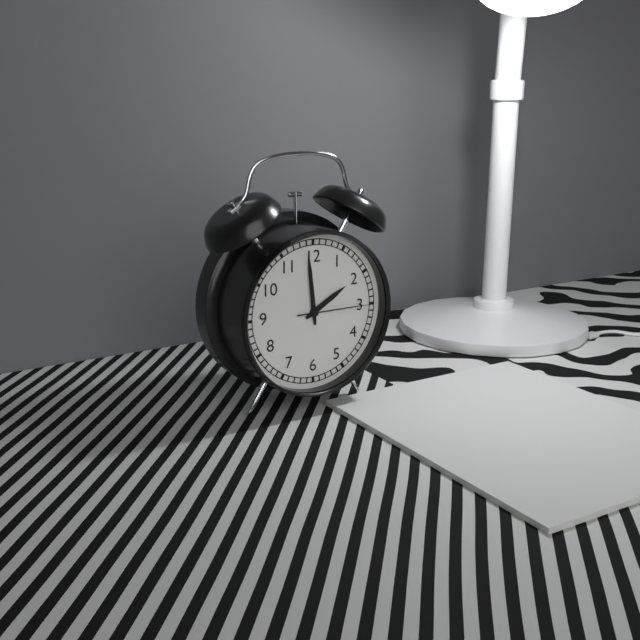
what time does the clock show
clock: 1:59:15
